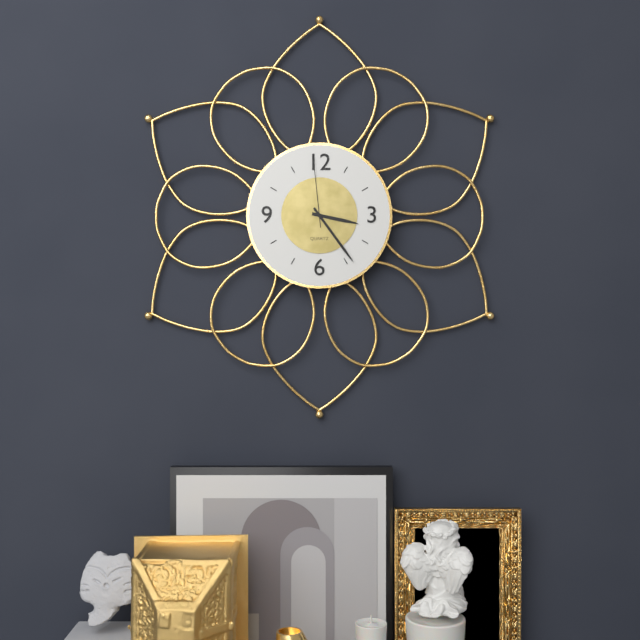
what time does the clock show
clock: 3:24:59
